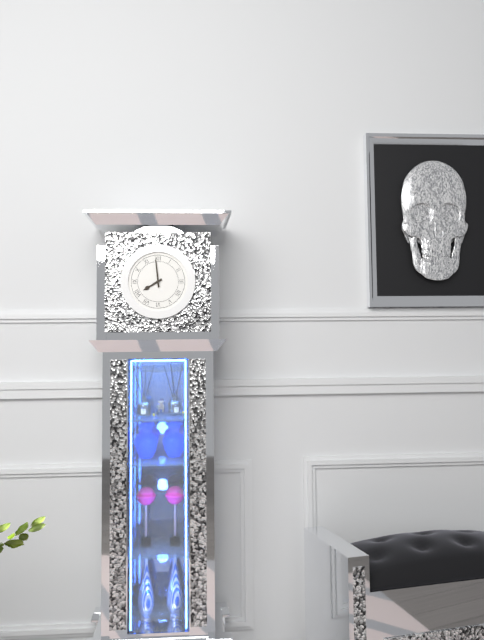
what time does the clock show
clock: 7:59
